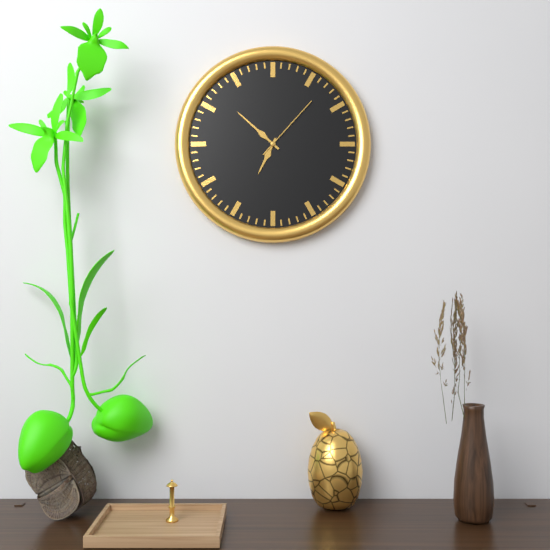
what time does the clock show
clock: 6:52:07
